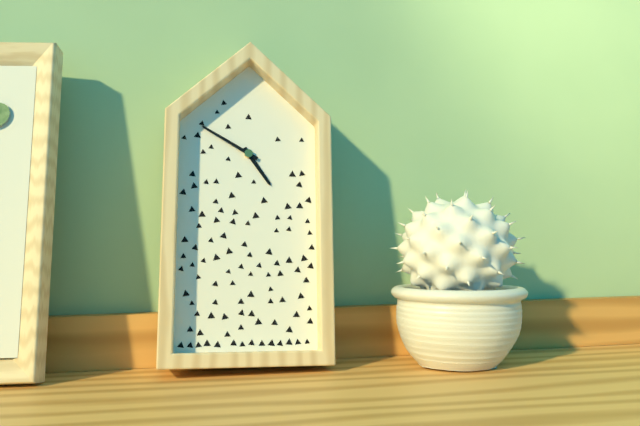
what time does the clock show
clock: 4:50
